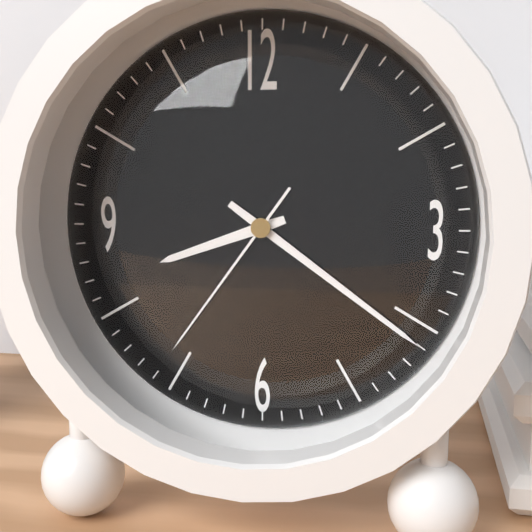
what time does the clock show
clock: 8:21:36
